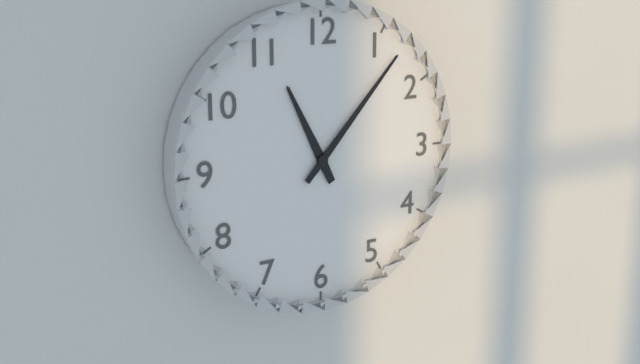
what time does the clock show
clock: 11:07
